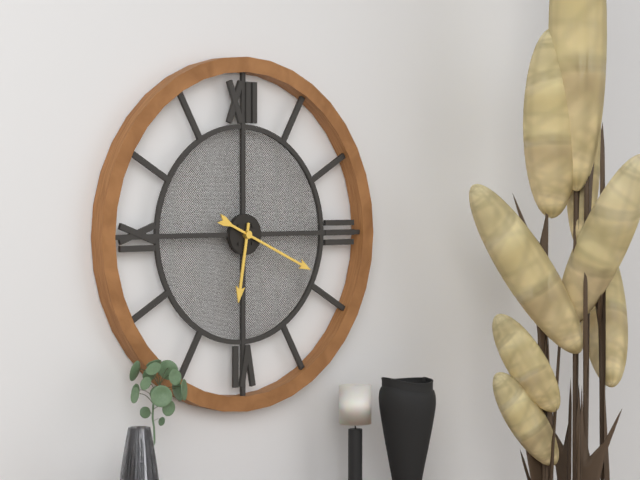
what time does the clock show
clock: 6:19
